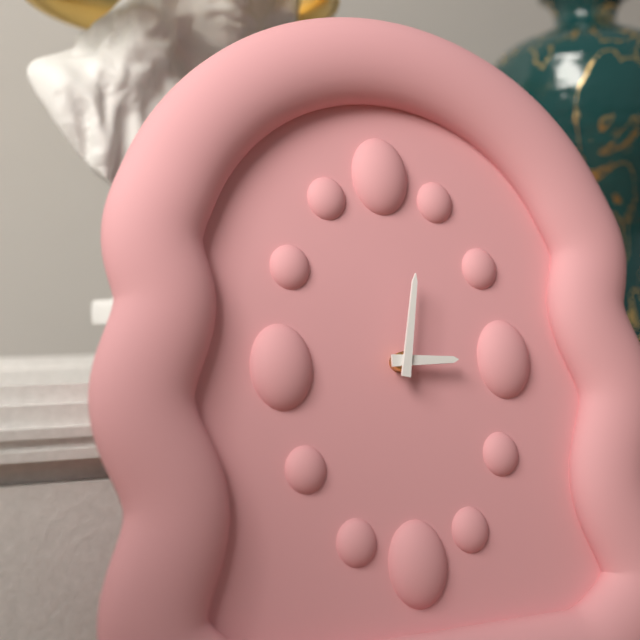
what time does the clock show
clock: 3:02
